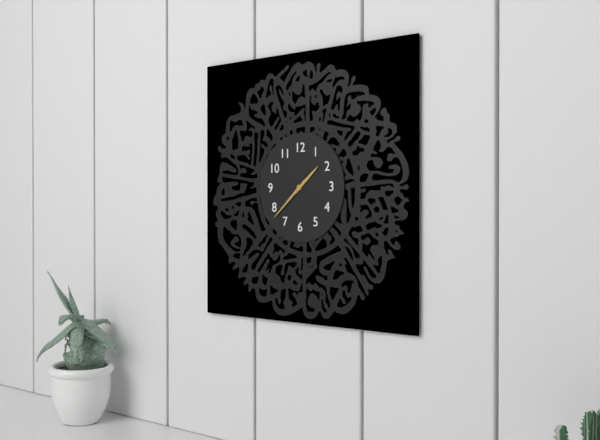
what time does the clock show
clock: 1:38
